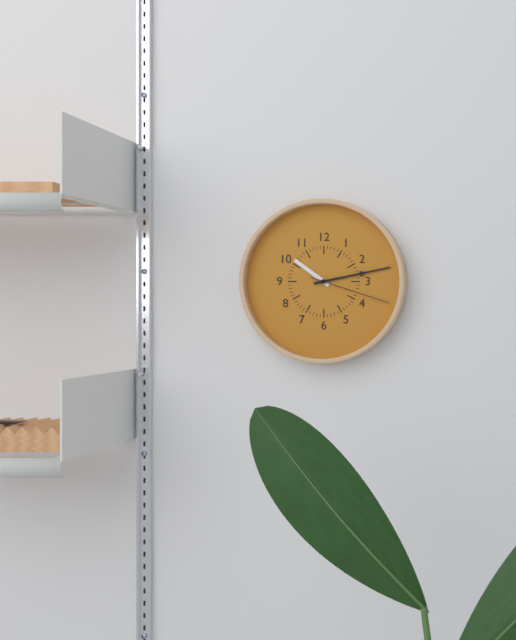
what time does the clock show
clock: 10:13:18
